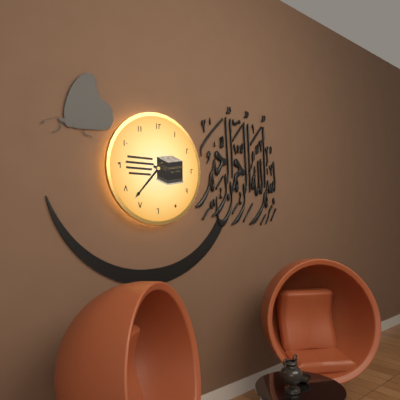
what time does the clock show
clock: 3:37
